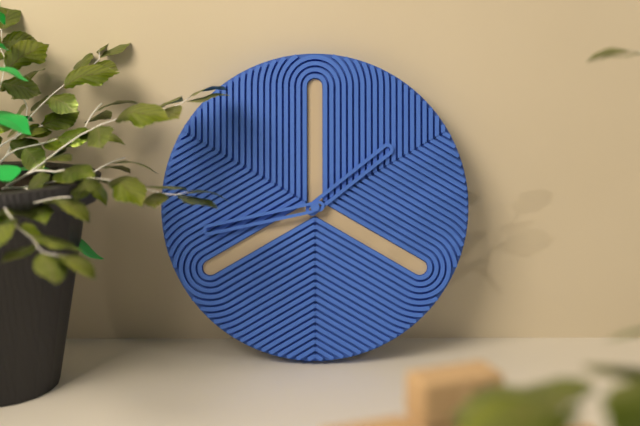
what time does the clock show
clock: 1:43
